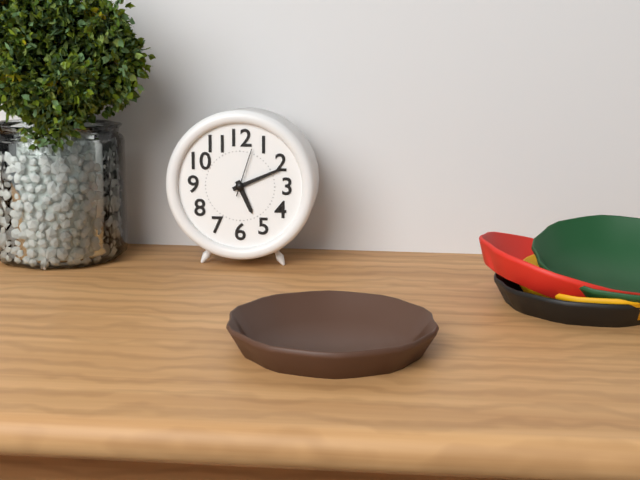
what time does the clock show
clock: 5:11
